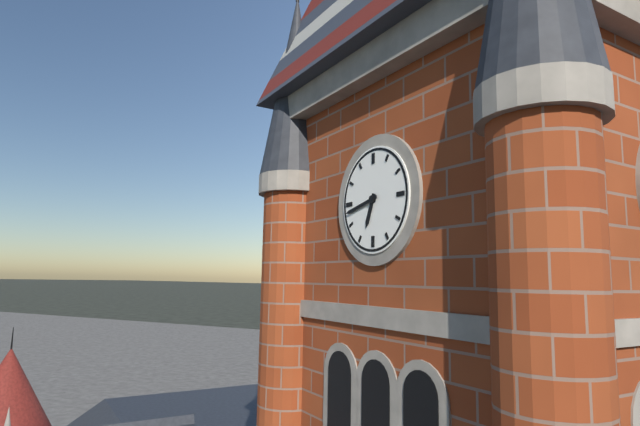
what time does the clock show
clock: 6:43
